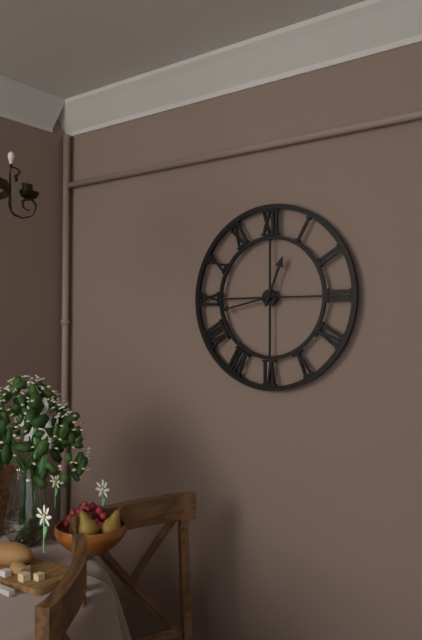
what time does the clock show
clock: 12:43
